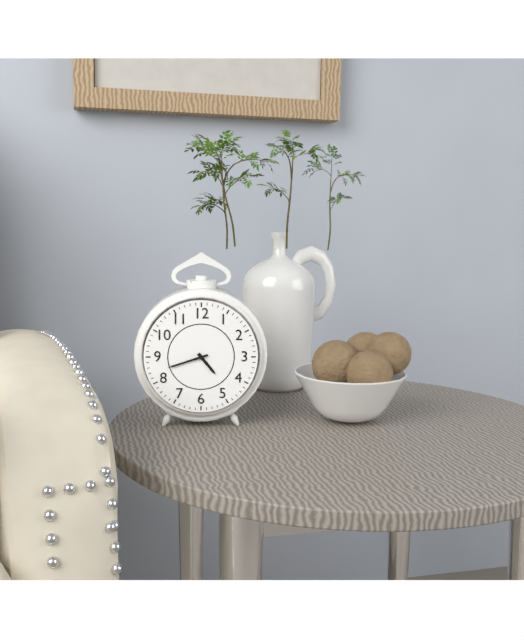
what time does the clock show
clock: 4:42
